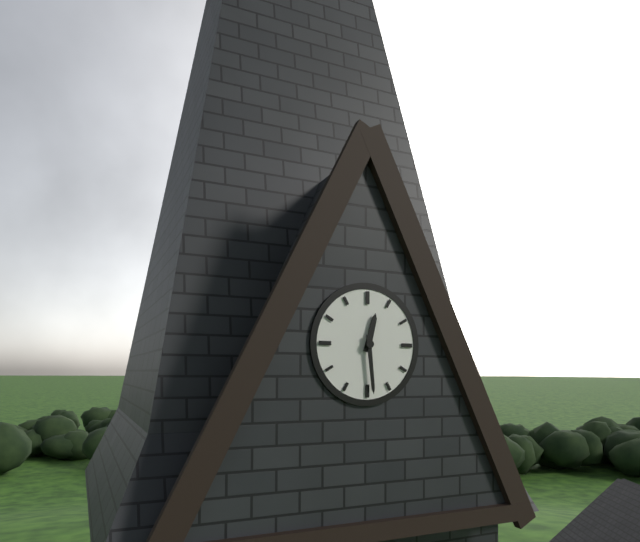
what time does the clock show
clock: 12:29
